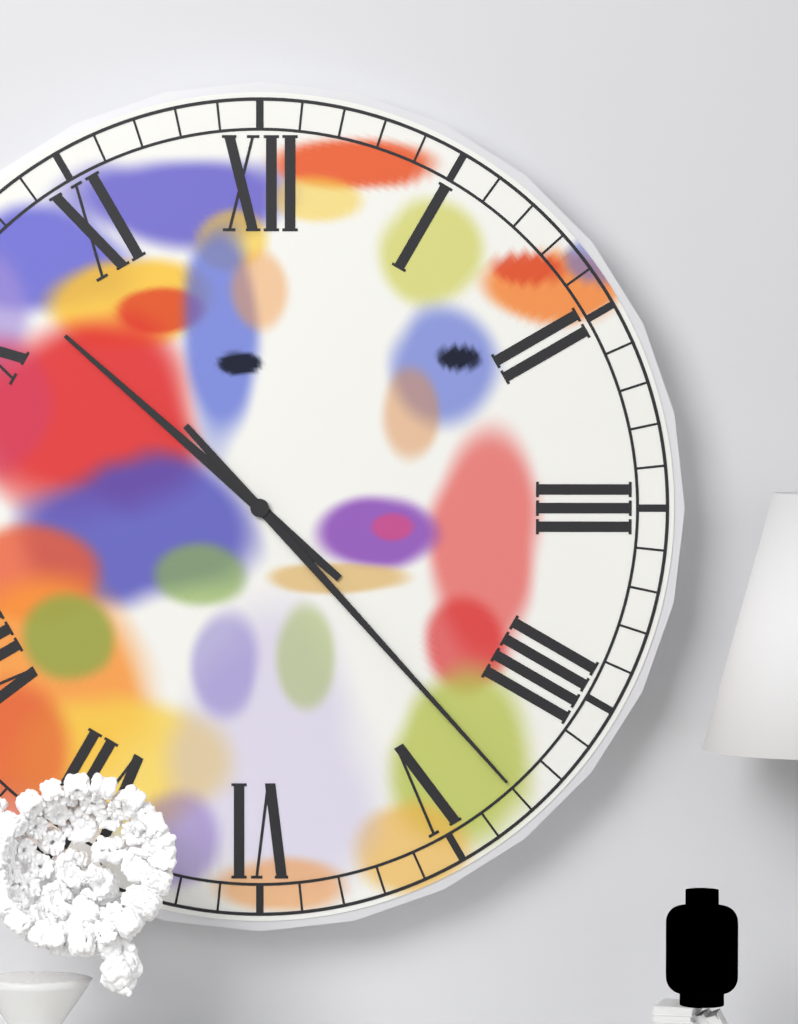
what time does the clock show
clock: 10:23
